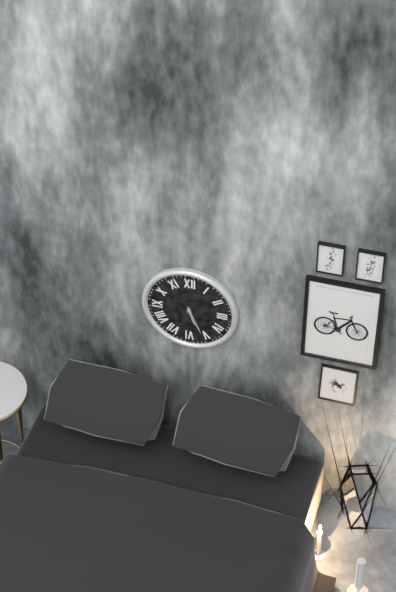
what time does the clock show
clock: 5:26
